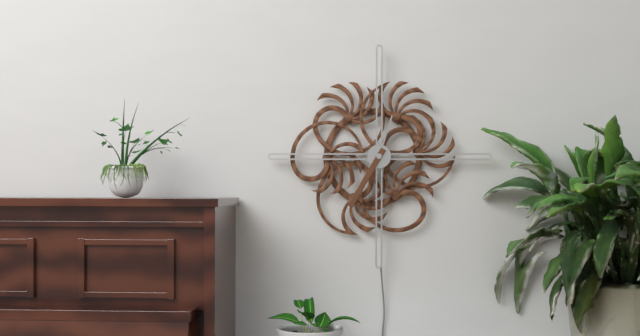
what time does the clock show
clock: 12:35
